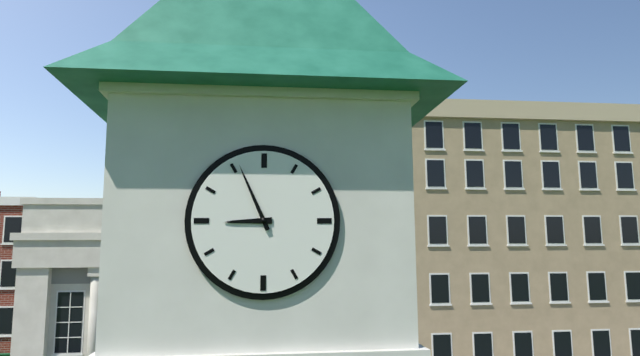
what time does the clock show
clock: 8:56
